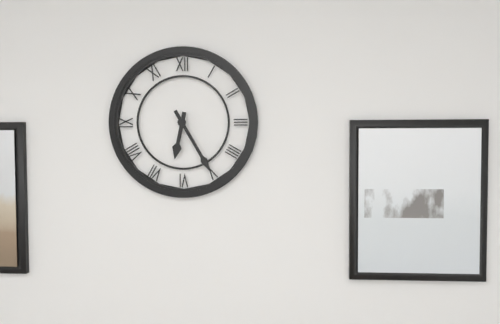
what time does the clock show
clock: 6:25
